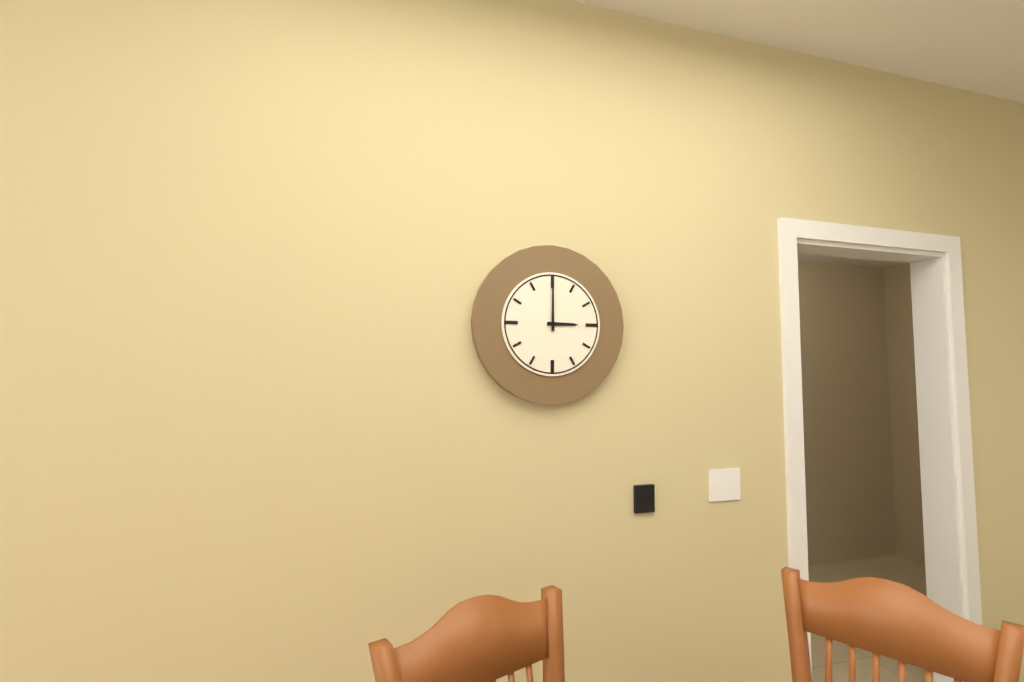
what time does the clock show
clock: 3:00
